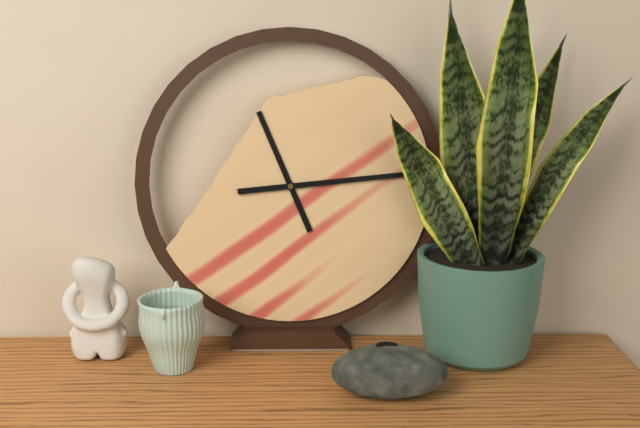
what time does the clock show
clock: 11:14
